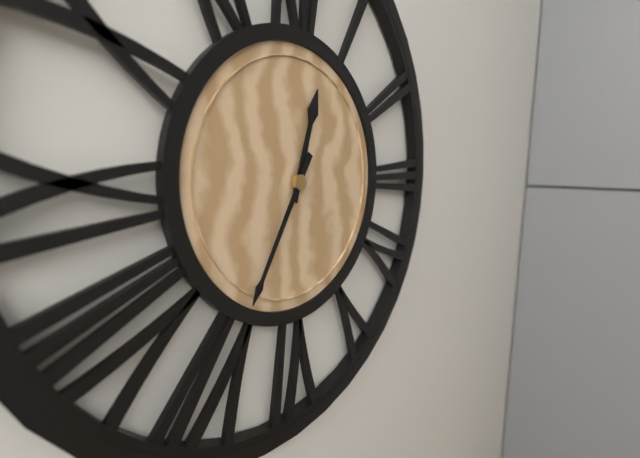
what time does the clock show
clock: 12:35
